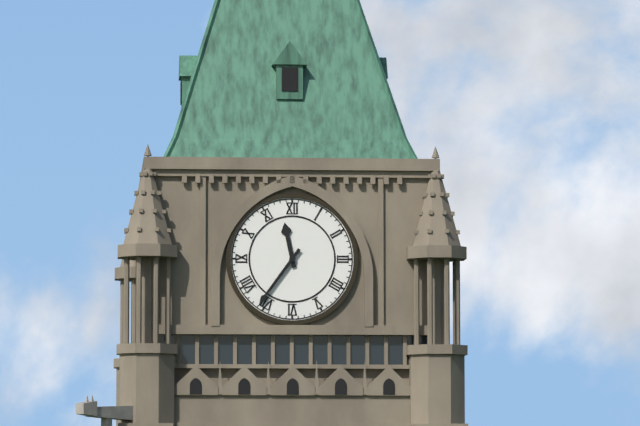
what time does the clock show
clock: 11:36
